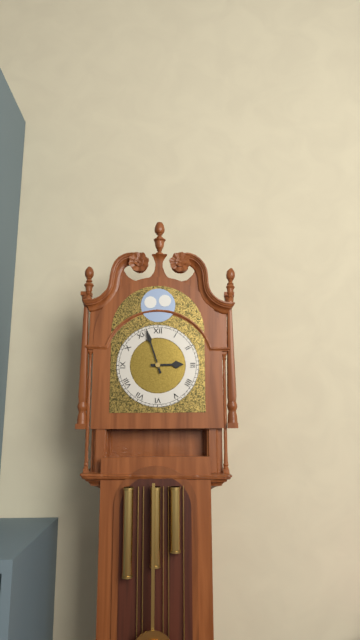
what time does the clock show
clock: 2:57
